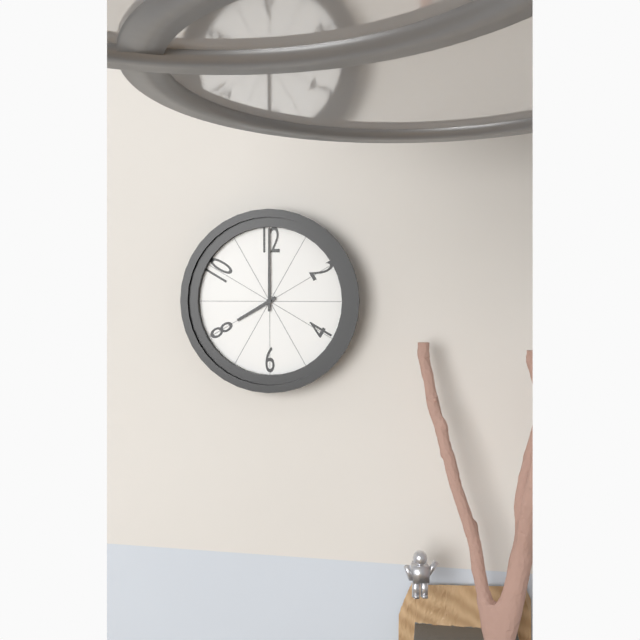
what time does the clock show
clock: 8:00
